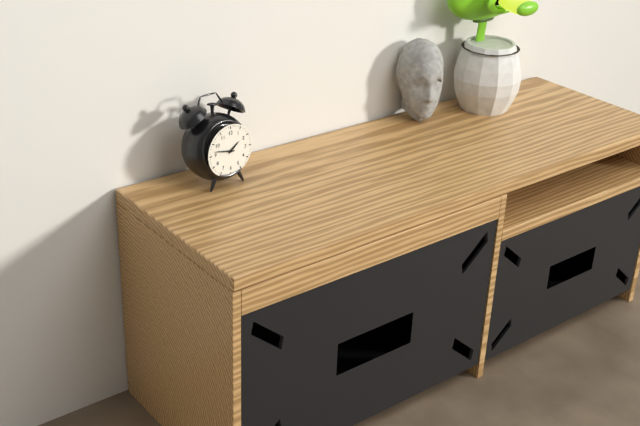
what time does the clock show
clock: 1:47
